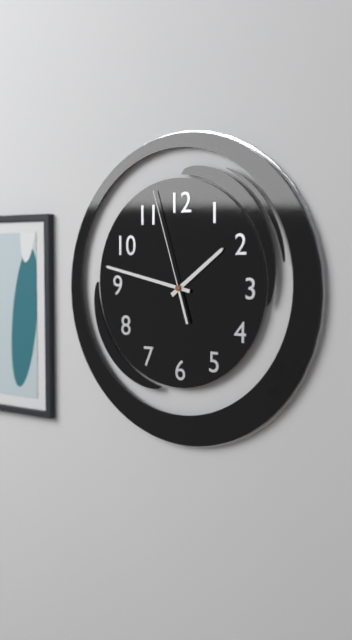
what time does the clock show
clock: 1:47:57
